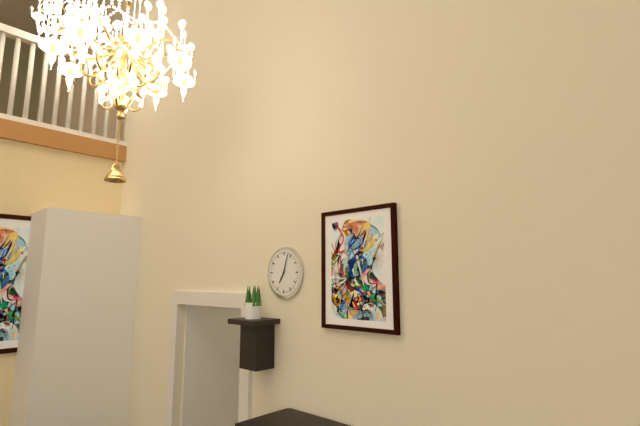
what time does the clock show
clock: 7:03
